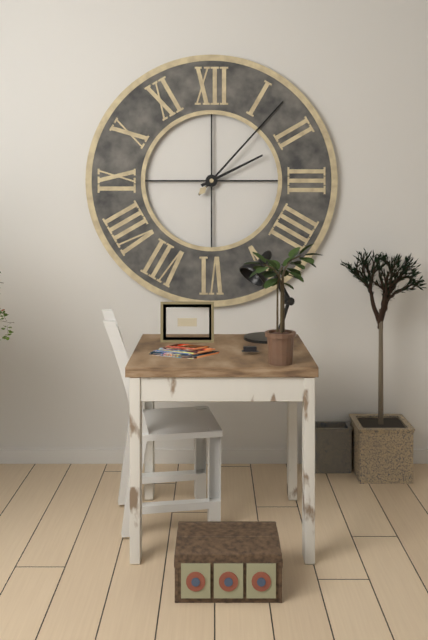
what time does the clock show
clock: 2:07
